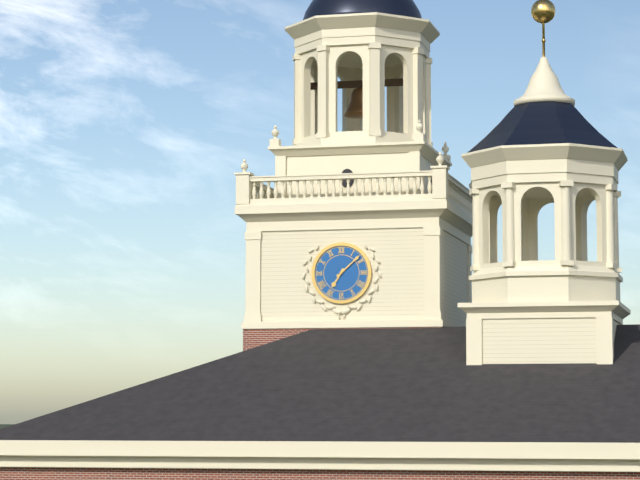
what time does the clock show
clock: 7:08
